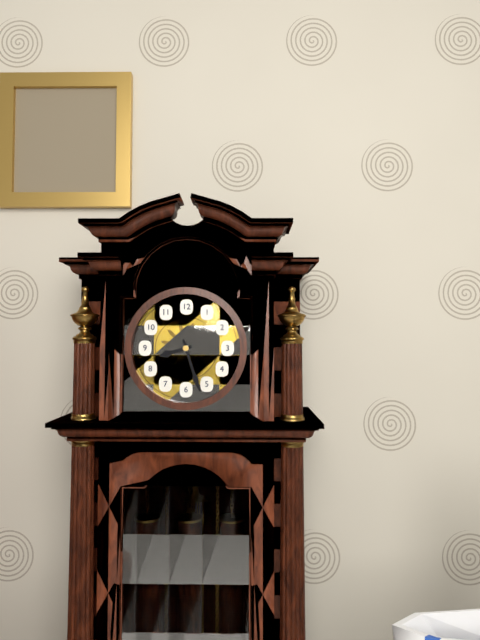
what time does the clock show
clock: 8:27
